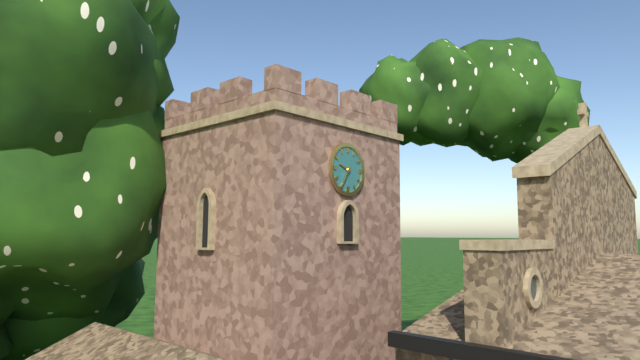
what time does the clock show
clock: 9:35
